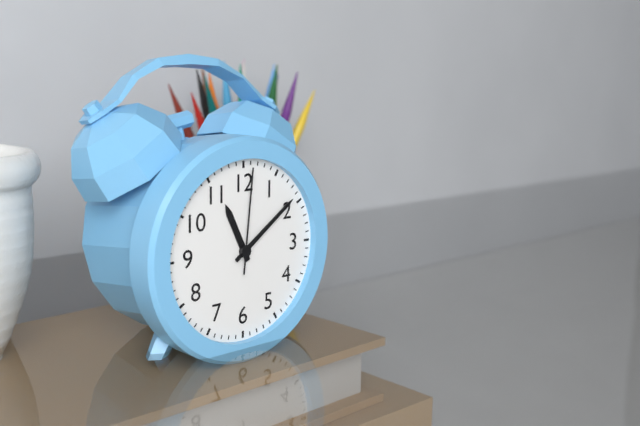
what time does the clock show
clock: 11:09:01
